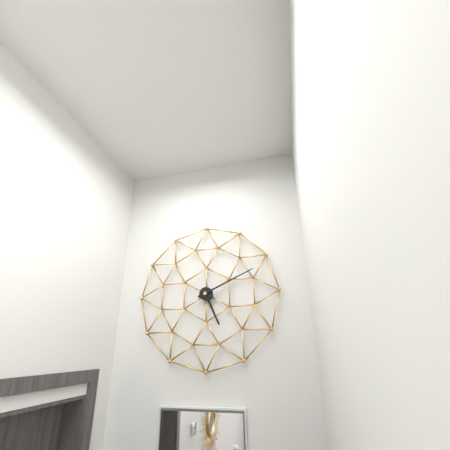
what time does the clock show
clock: 5:11
